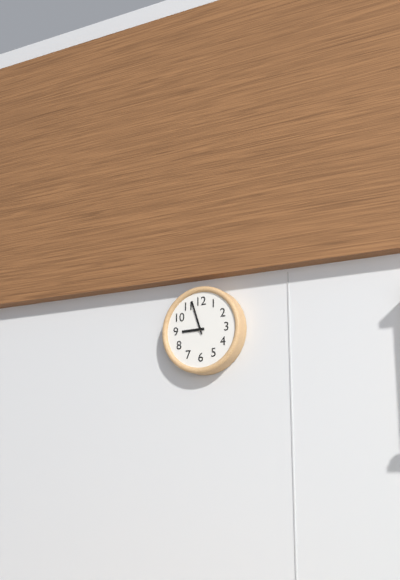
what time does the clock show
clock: 8:57
